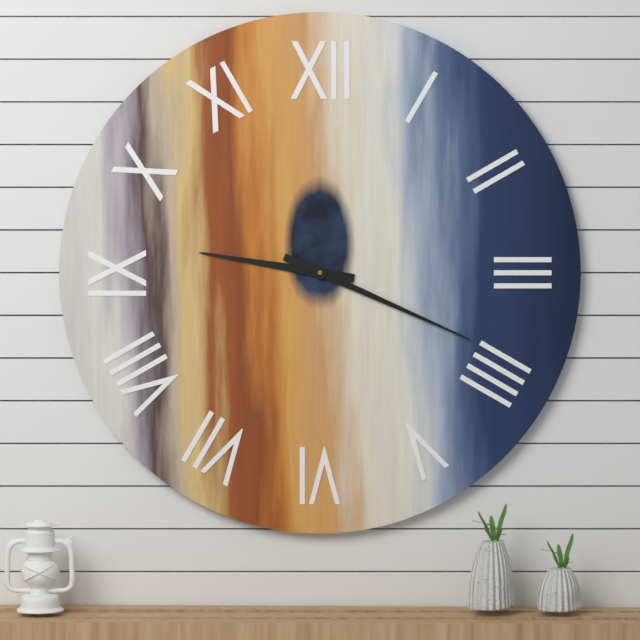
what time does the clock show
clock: 9:19
